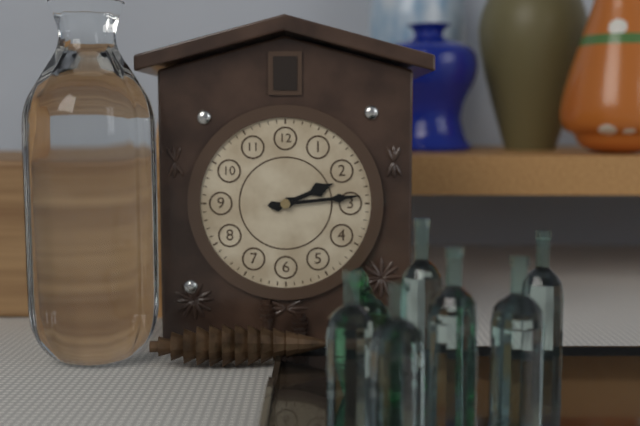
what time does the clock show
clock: 2:14
